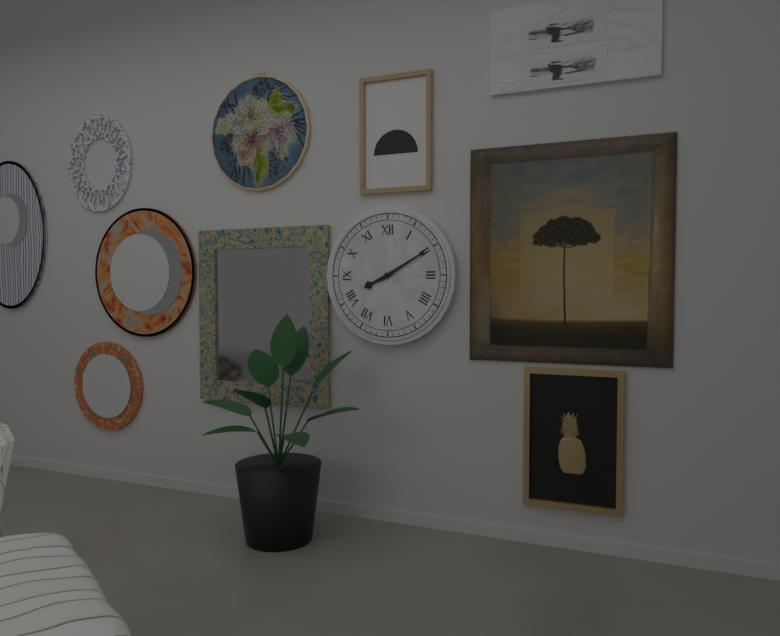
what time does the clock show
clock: 8:10
